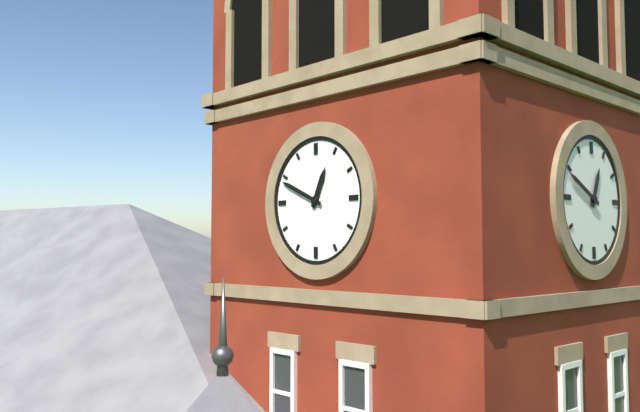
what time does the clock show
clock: 12:49
